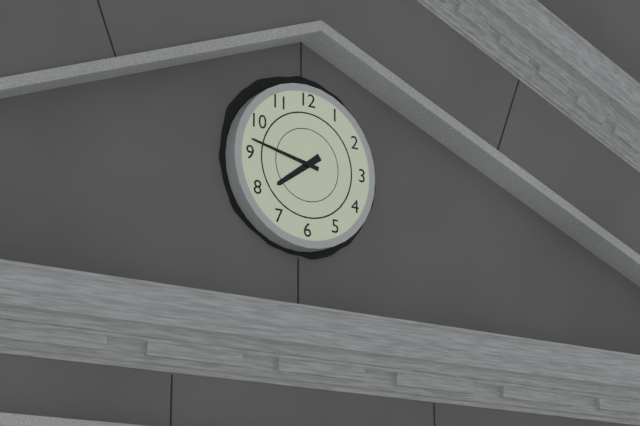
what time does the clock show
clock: 7:47
